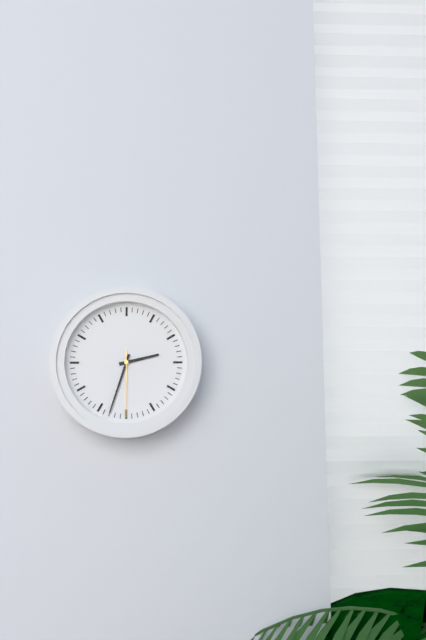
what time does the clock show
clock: 2:33:30
